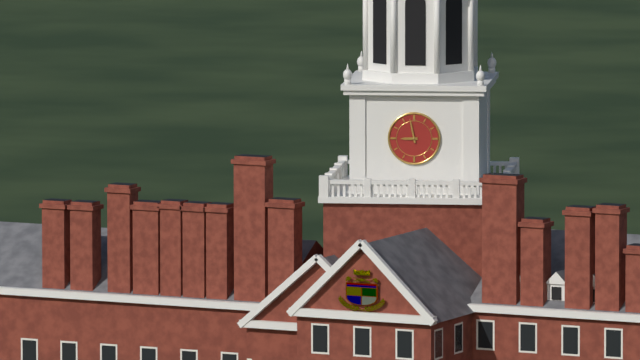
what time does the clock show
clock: 8:58
